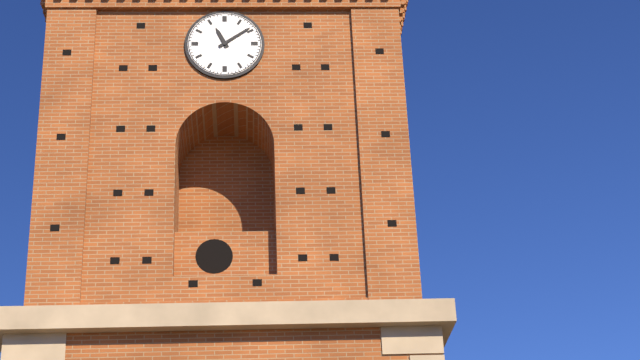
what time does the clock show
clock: 11:09
